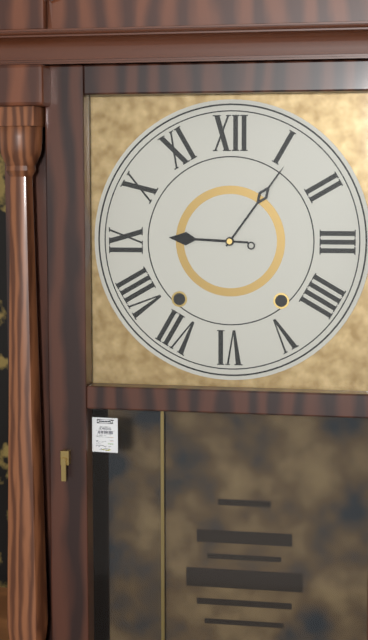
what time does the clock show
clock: 9:06
